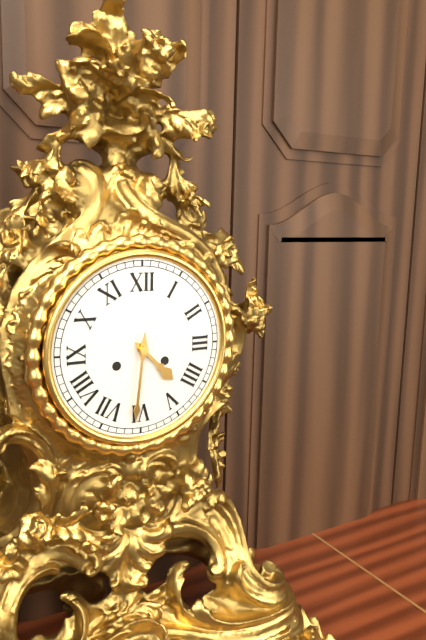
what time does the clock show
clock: 4:31
